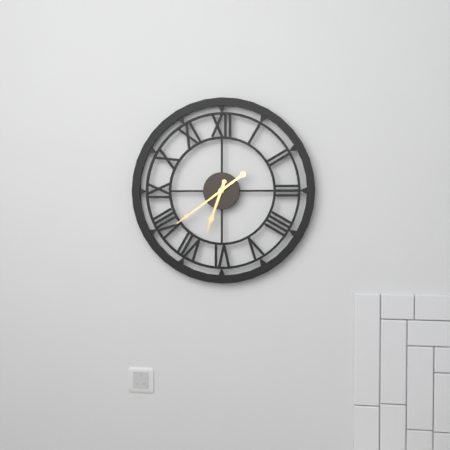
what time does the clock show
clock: 6:39
